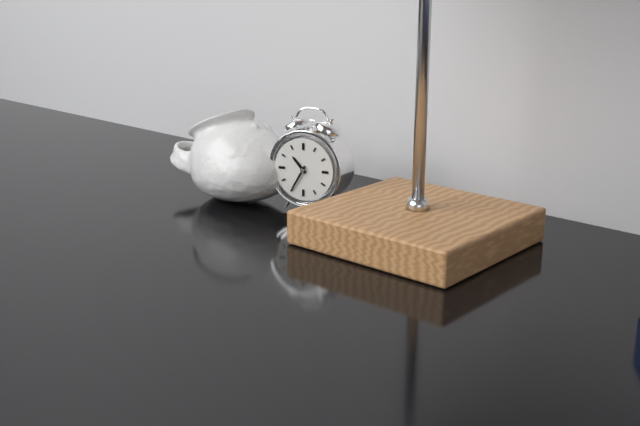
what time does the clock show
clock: 10:35
